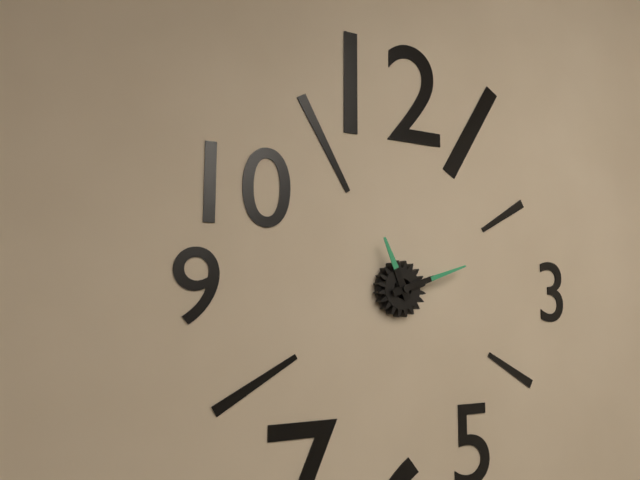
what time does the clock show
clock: 11:12
